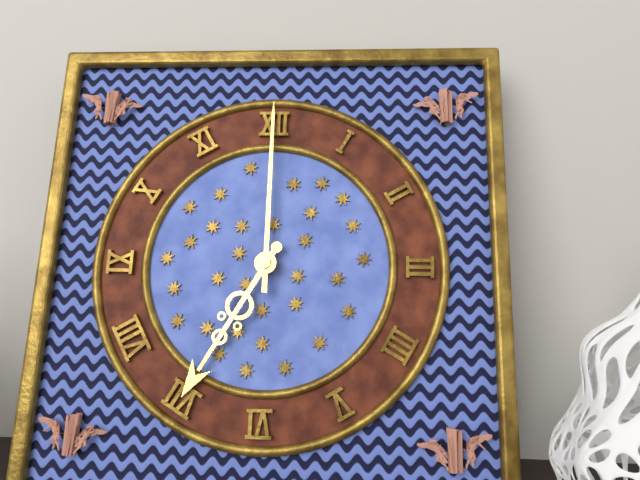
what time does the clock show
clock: 7:00
